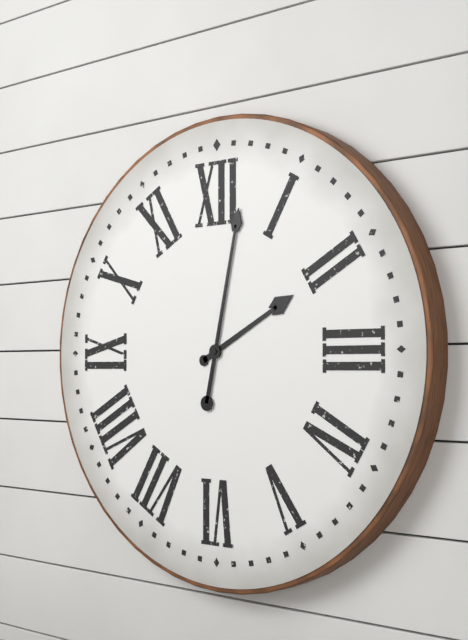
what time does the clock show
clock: 2:02
